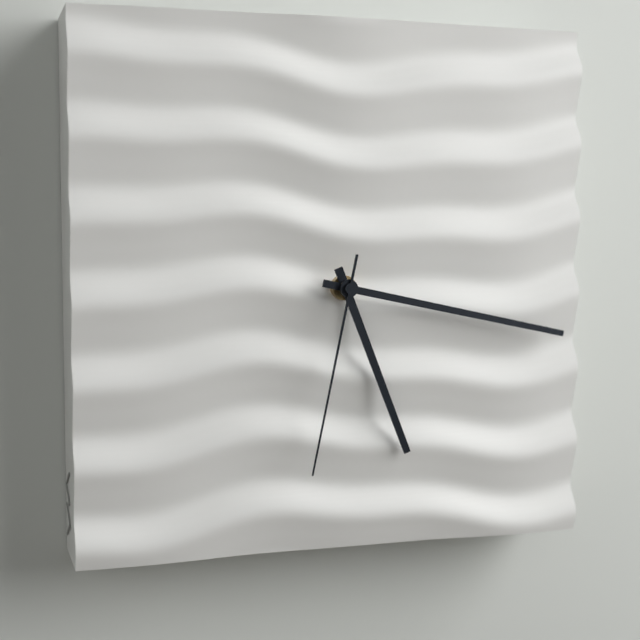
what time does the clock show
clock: 5:17:32
